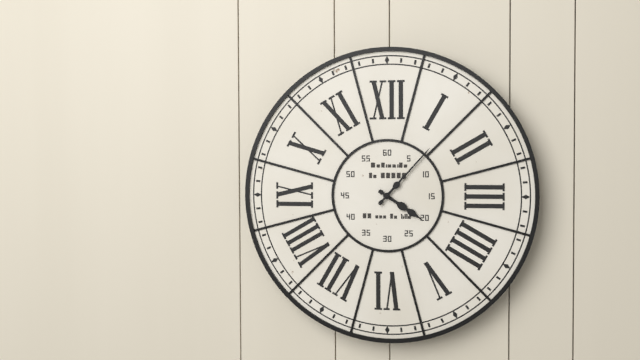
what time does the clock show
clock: 4:07
